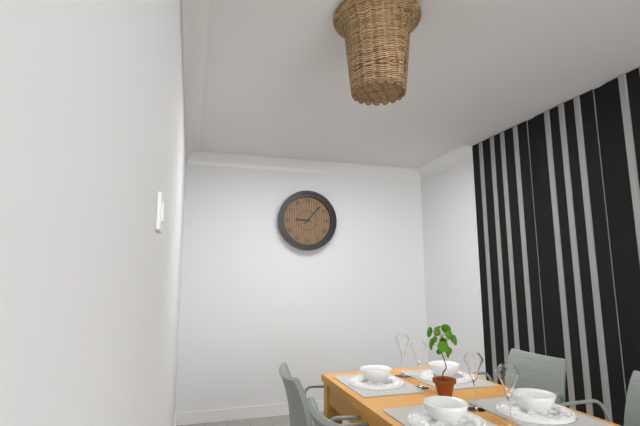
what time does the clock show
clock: 9:07
